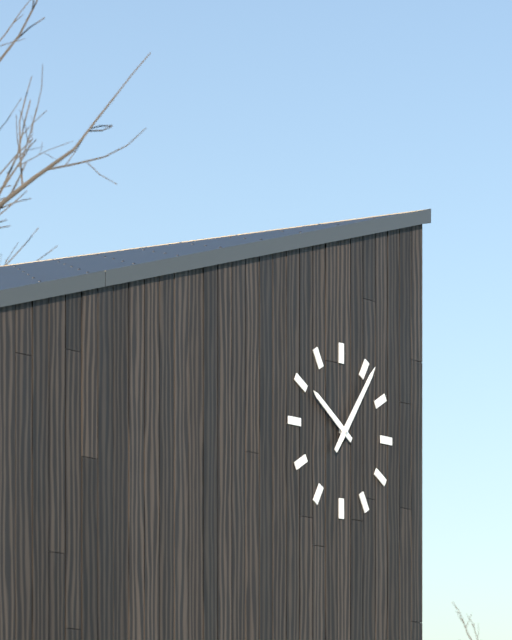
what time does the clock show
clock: 10:06
